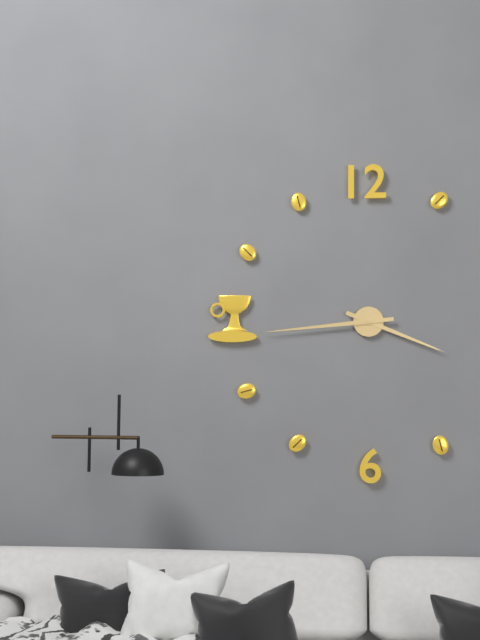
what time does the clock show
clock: 3:44
